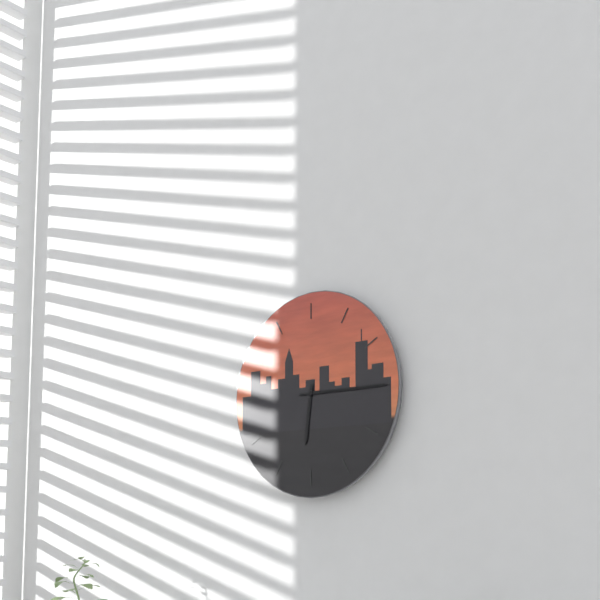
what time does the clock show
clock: 6:15
